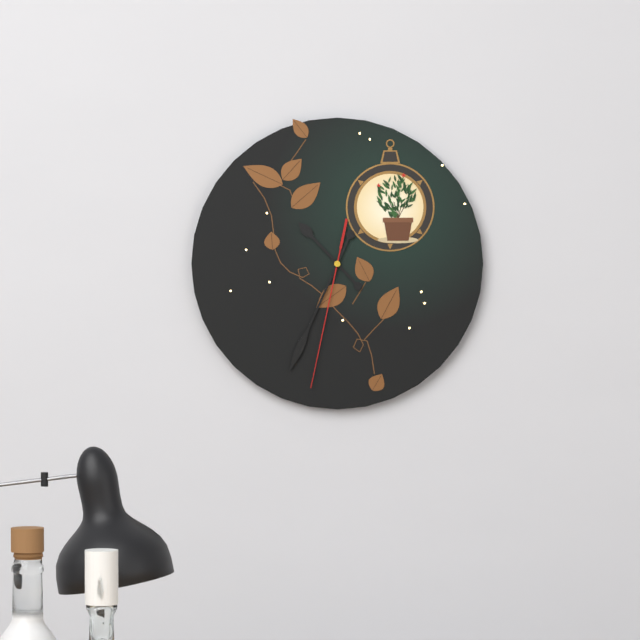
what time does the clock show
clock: 10:34:32
